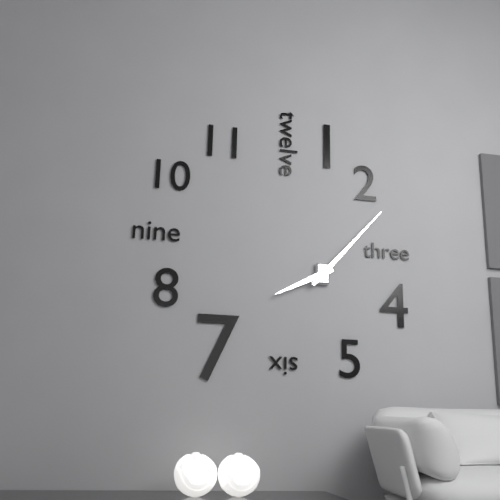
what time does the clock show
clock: 8:07
